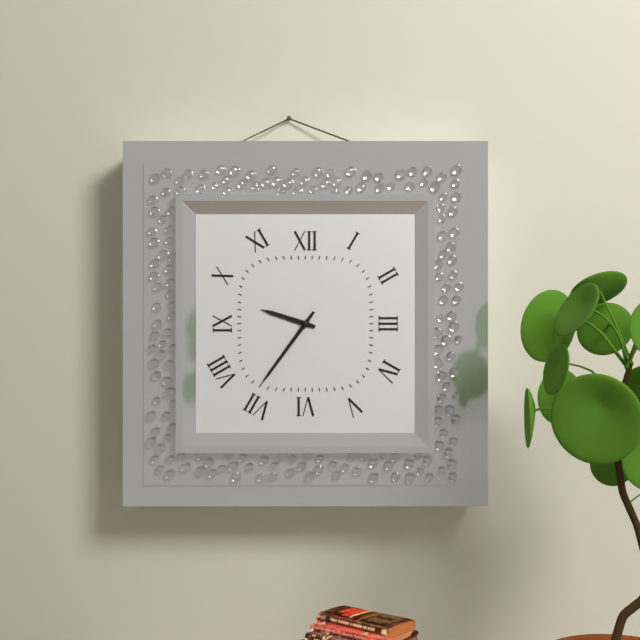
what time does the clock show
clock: 9:36
